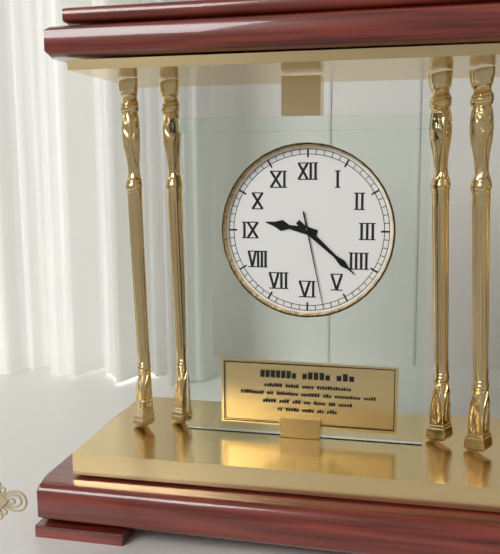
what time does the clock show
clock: 9:22:28
